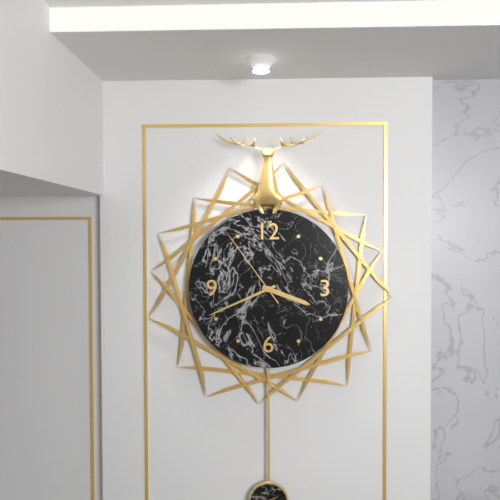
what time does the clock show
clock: 3:41:54
